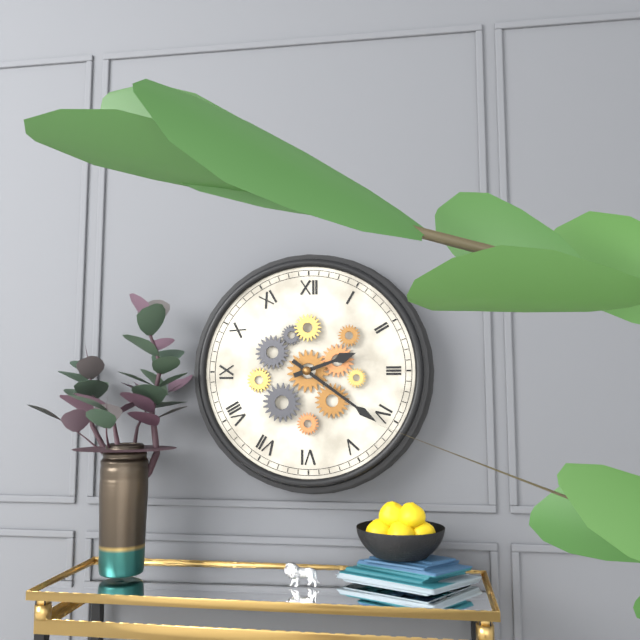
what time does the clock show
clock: 2:21
